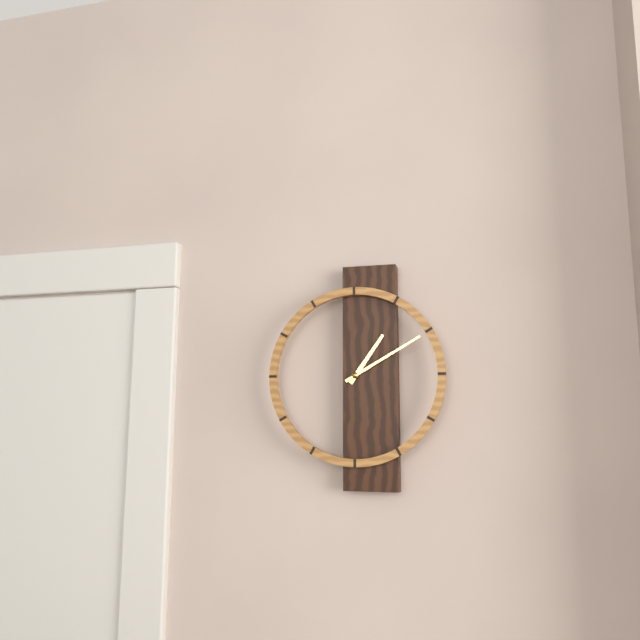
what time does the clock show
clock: 1:10
